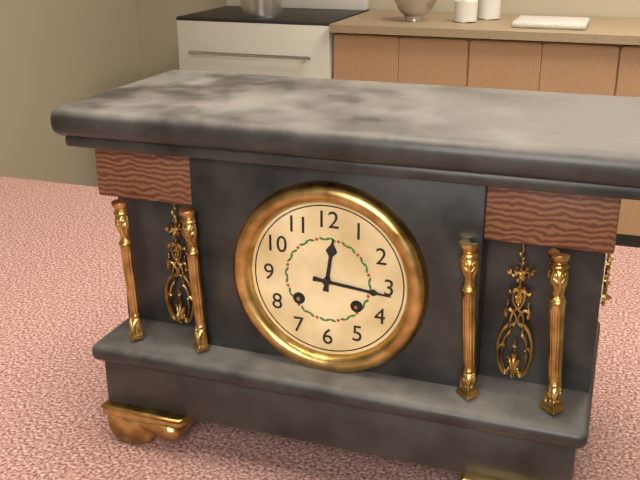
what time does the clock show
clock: 12:16
